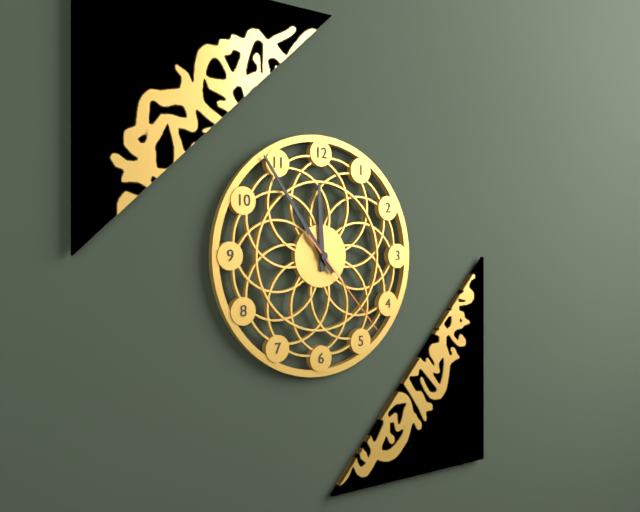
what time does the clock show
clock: 11:54:23
